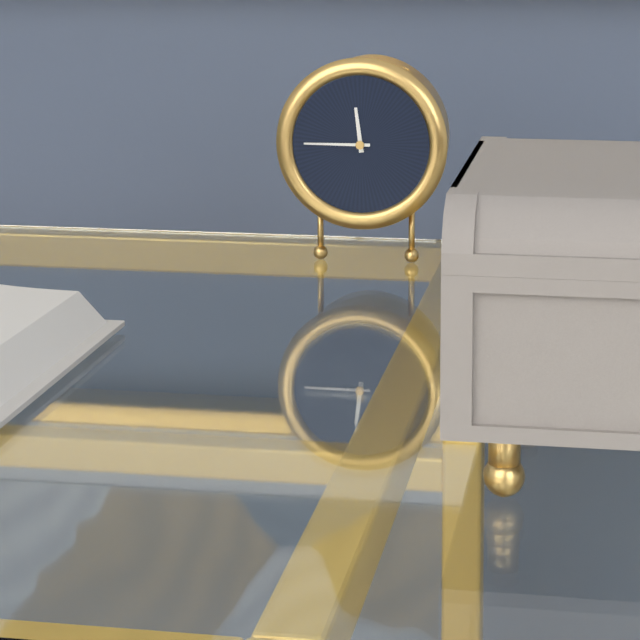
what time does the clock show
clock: 11:45
